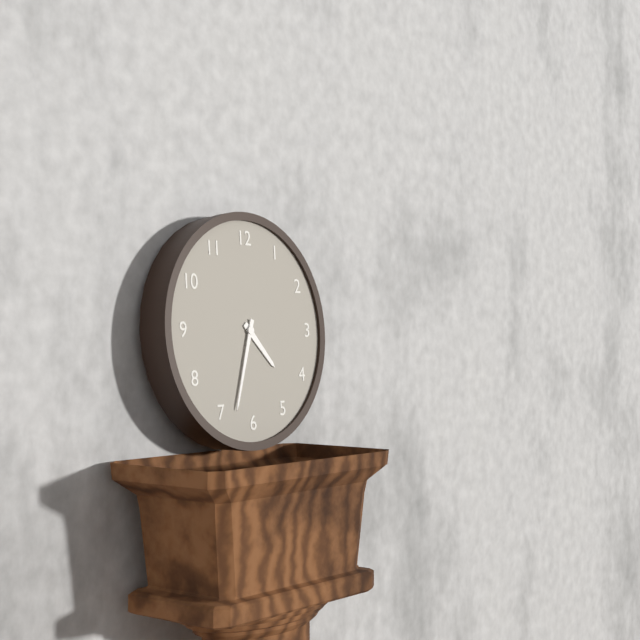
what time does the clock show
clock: 4:33
